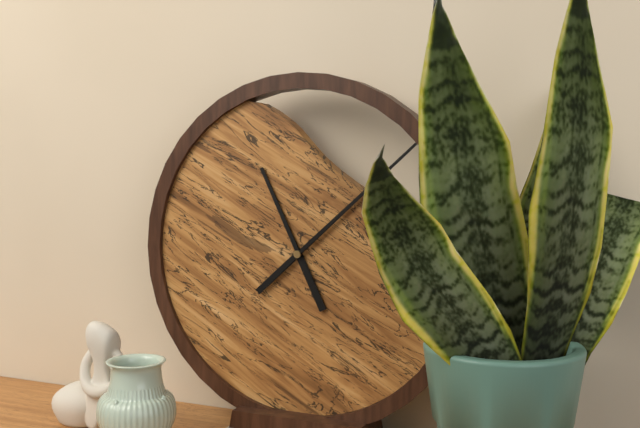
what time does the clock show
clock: 11:08
